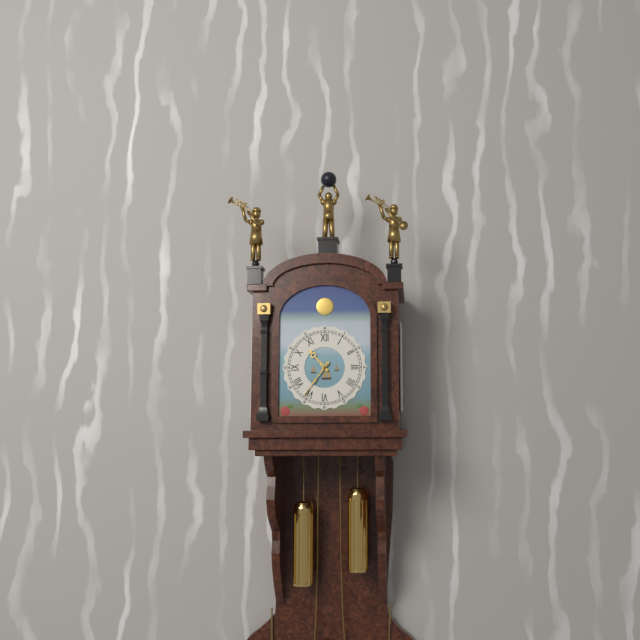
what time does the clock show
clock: 10:36
